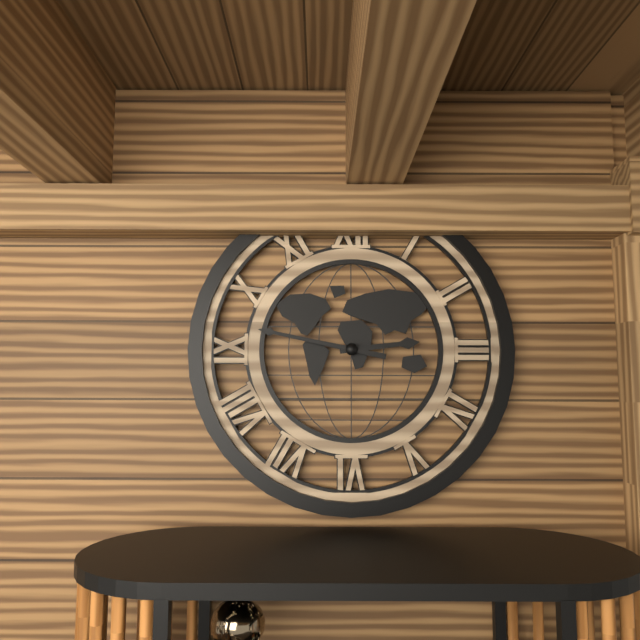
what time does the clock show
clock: 2:47
